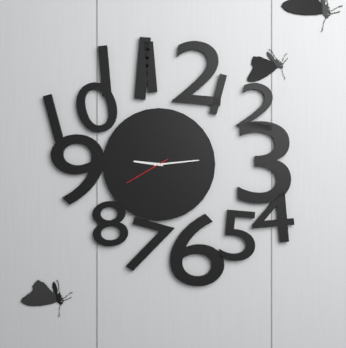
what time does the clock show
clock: 9:14
